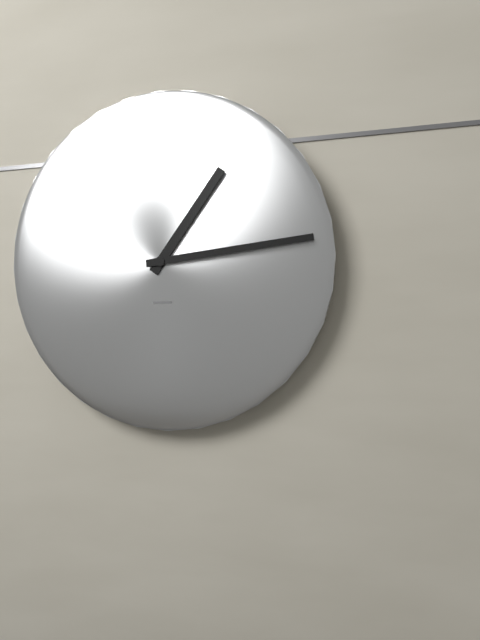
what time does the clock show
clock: 1:14
